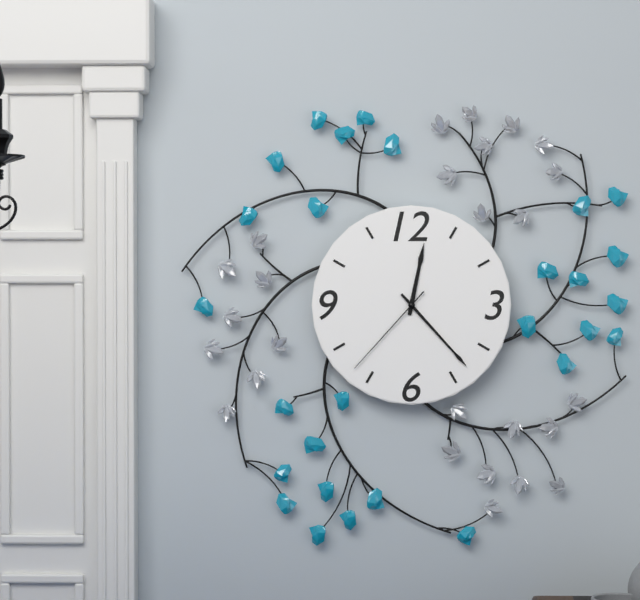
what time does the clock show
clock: 12:23:37
